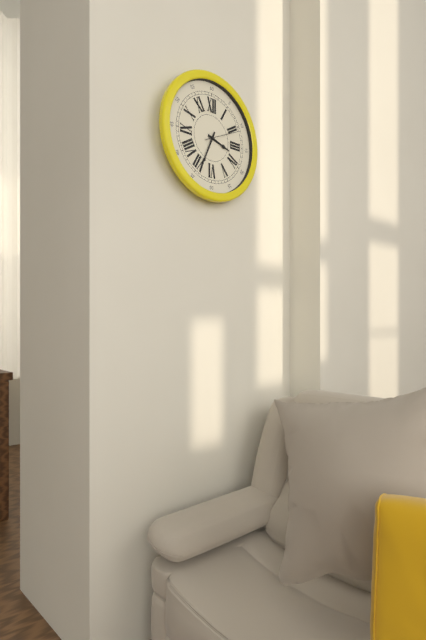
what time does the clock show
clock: 3:34
